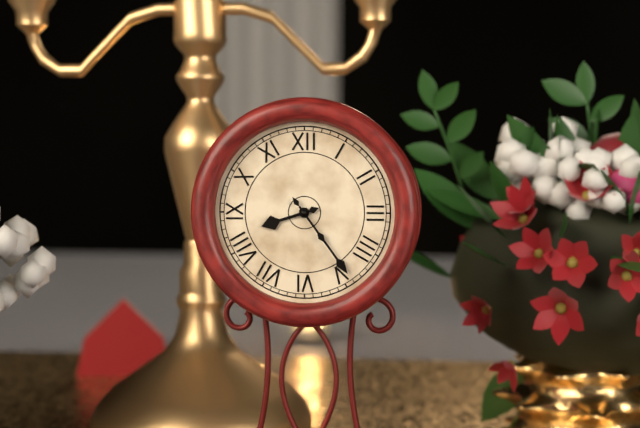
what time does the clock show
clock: 8:24
